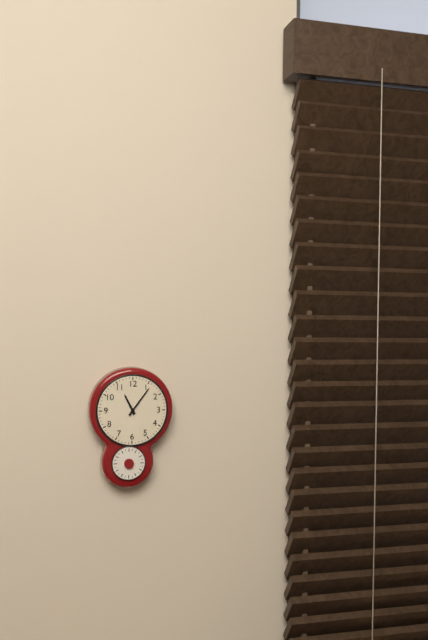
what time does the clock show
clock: 11:06
